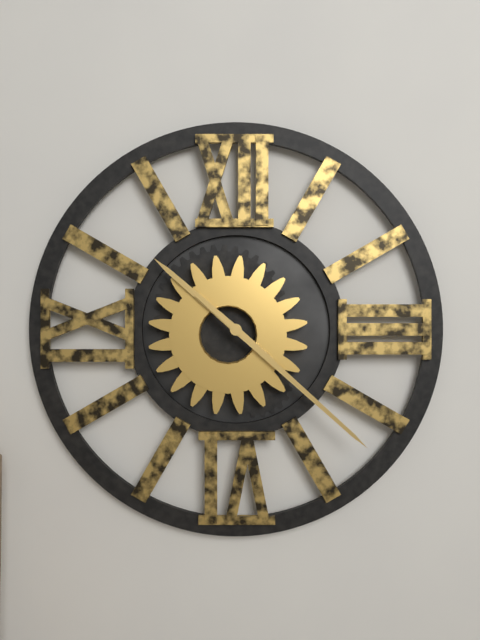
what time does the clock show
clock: 10:22
